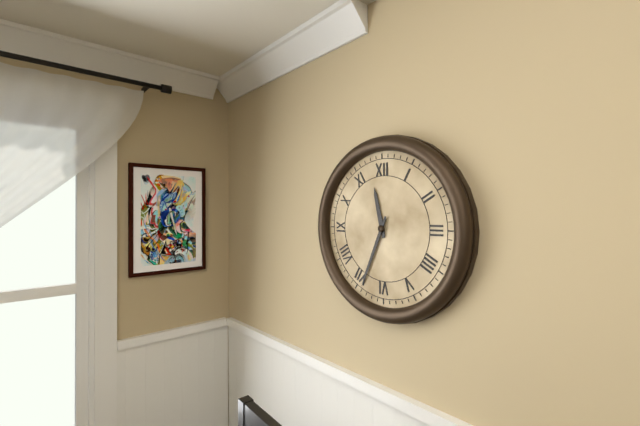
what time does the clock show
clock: 11:34
